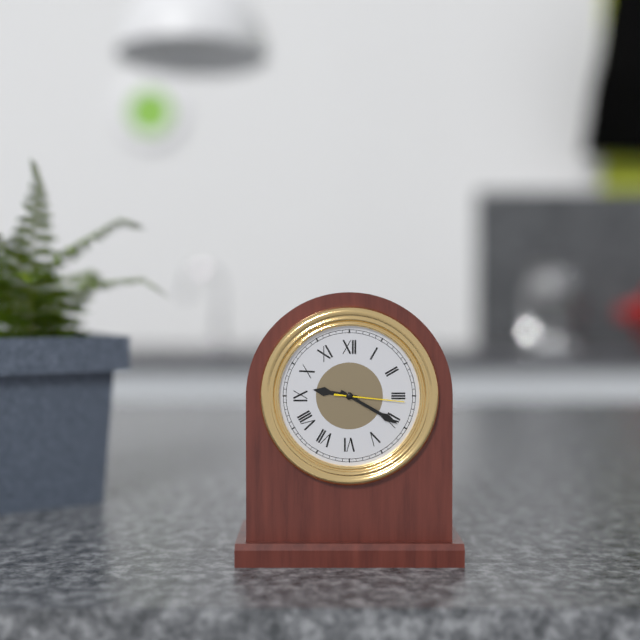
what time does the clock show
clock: 9:20:16
